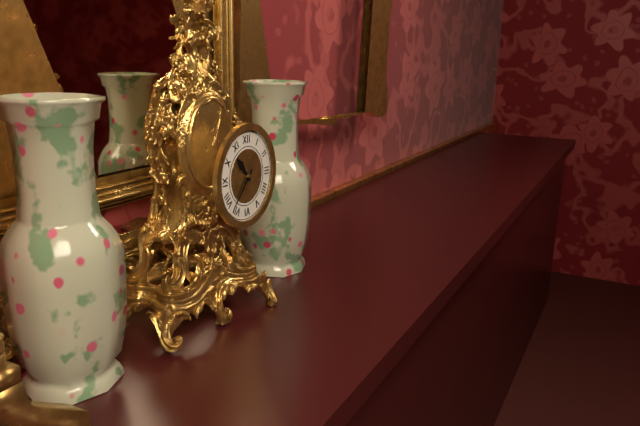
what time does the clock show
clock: 10:37
